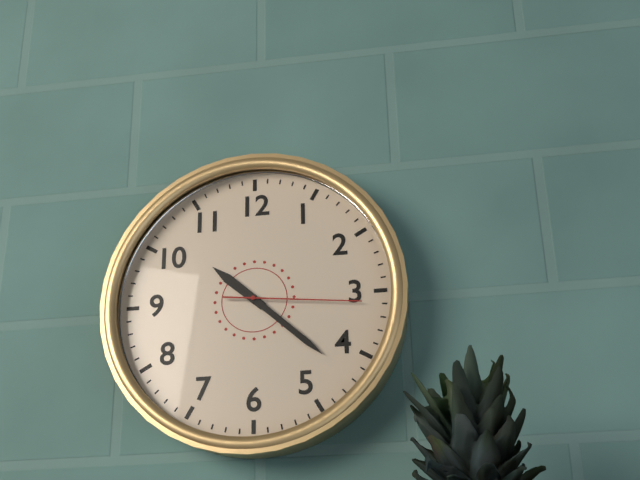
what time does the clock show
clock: 10:22:16
